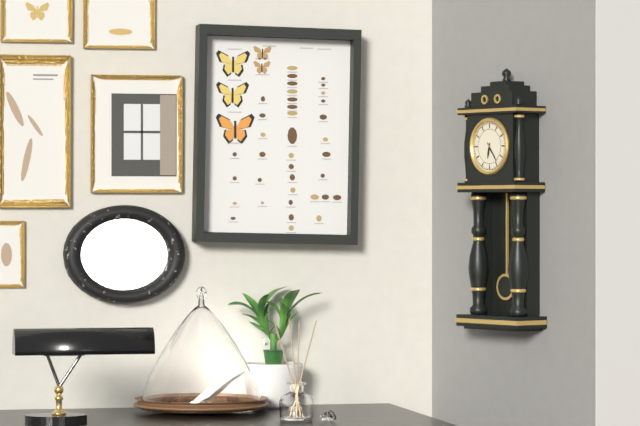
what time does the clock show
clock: 6:24
